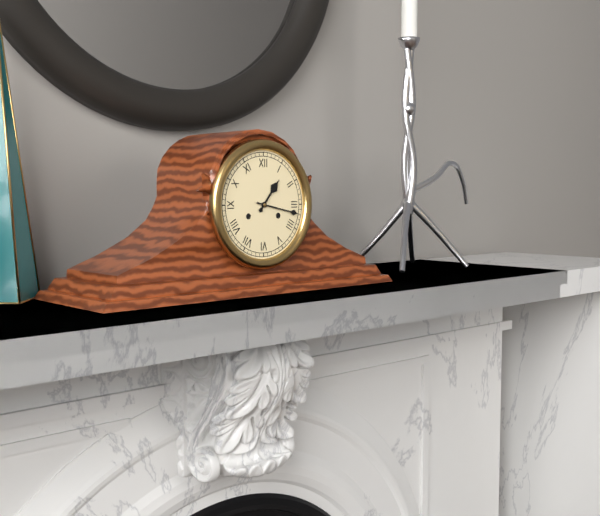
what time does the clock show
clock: 1:17
